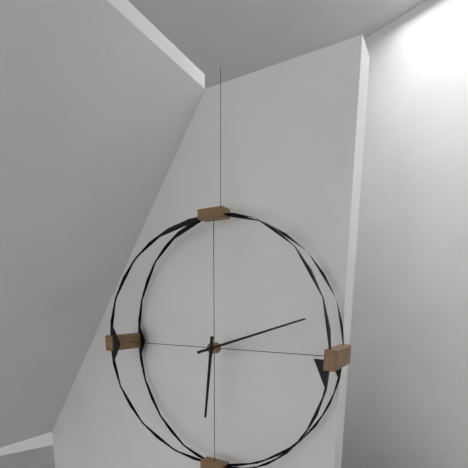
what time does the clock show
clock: 6:12
